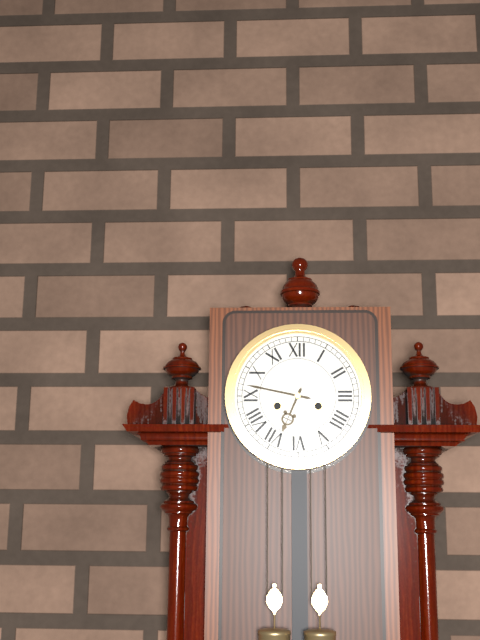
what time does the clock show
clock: 6:47
